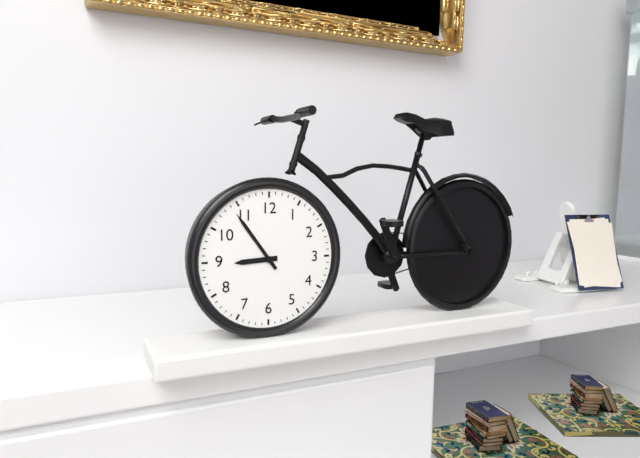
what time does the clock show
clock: 8:54
